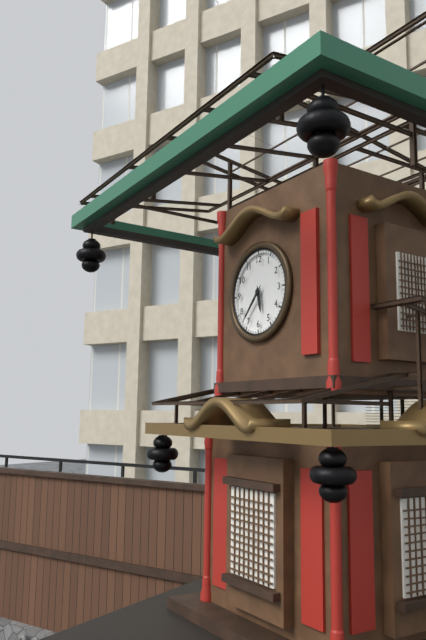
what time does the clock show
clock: 5:37
